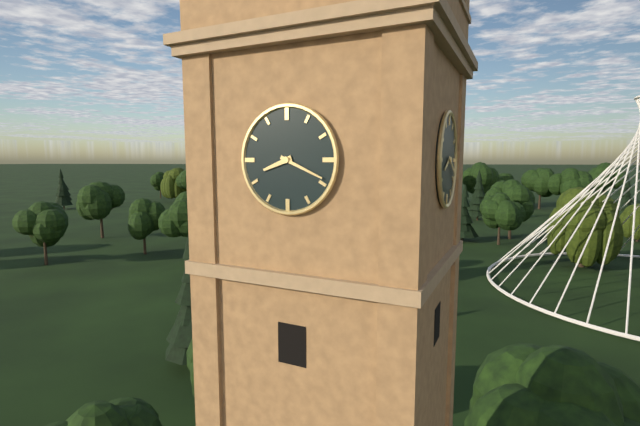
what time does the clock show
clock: 8:19
